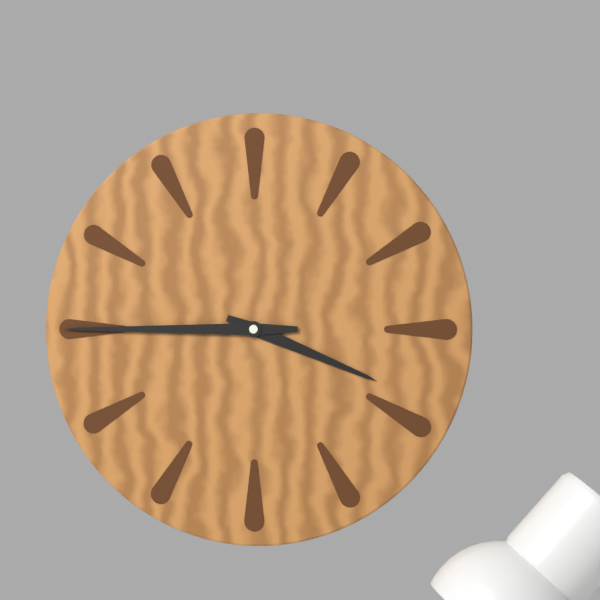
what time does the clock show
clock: 3:45
